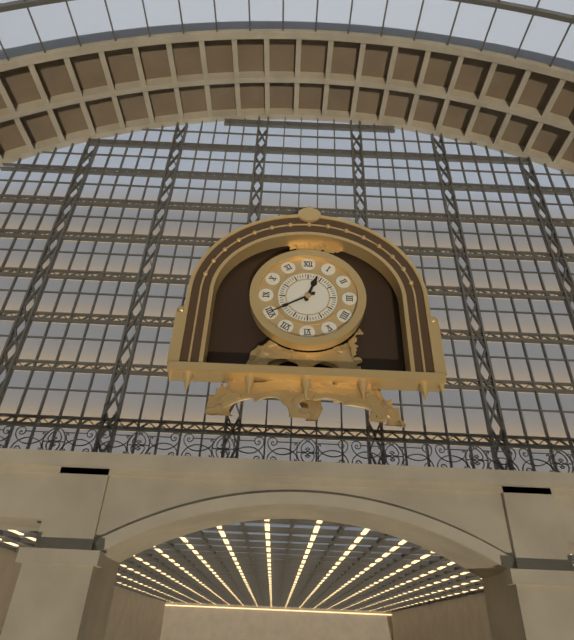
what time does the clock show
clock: 12:40
